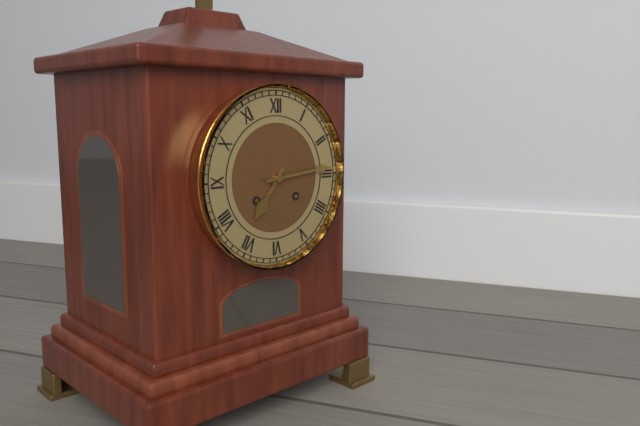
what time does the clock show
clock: 7:14
